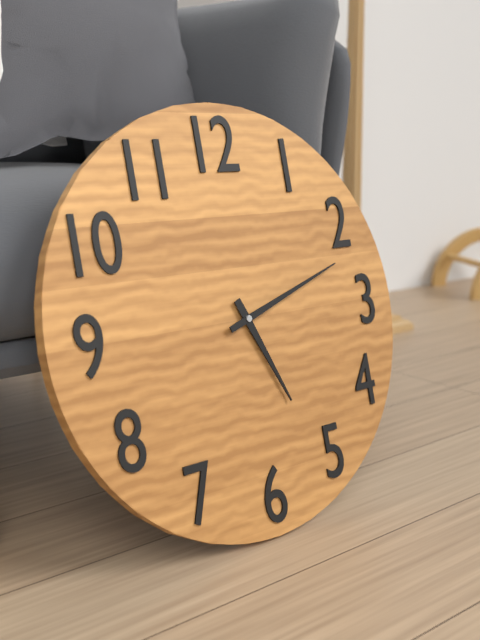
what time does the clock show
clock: 5:12
